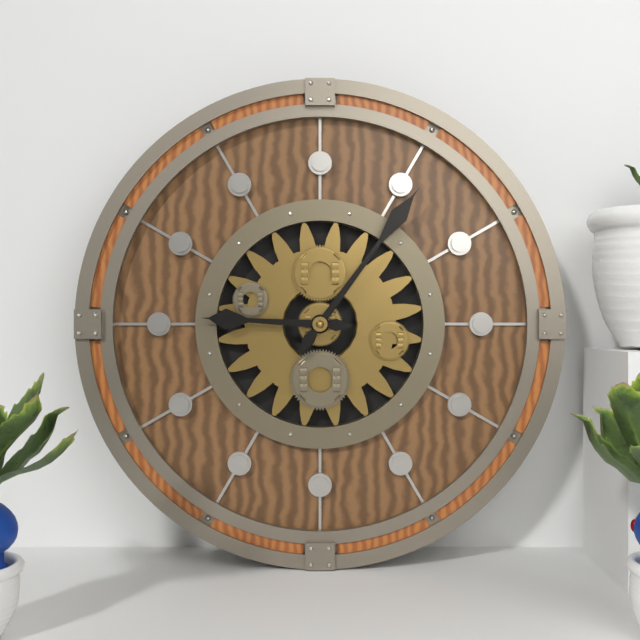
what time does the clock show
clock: 9:06
